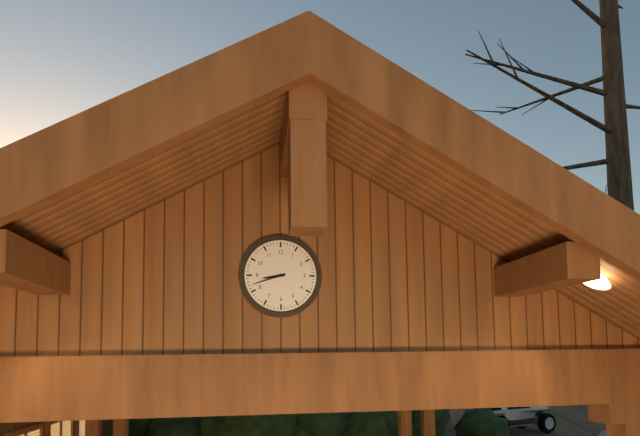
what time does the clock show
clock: 8:42
